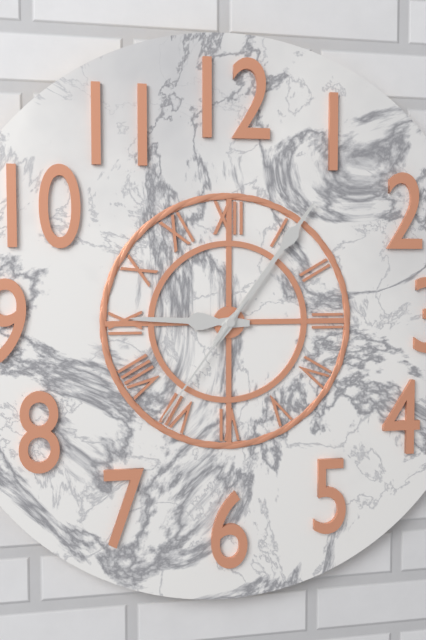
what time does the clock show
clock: 9:06:36
